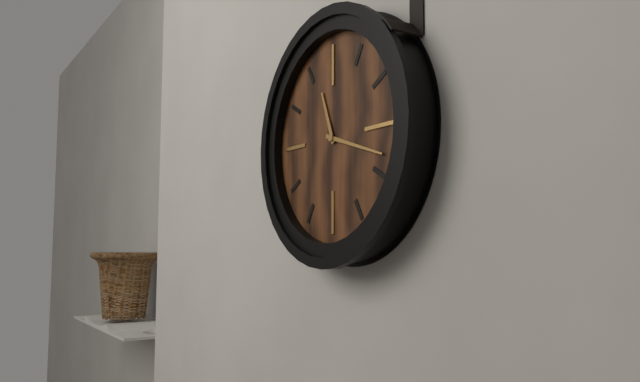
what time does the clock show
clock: 11:18
